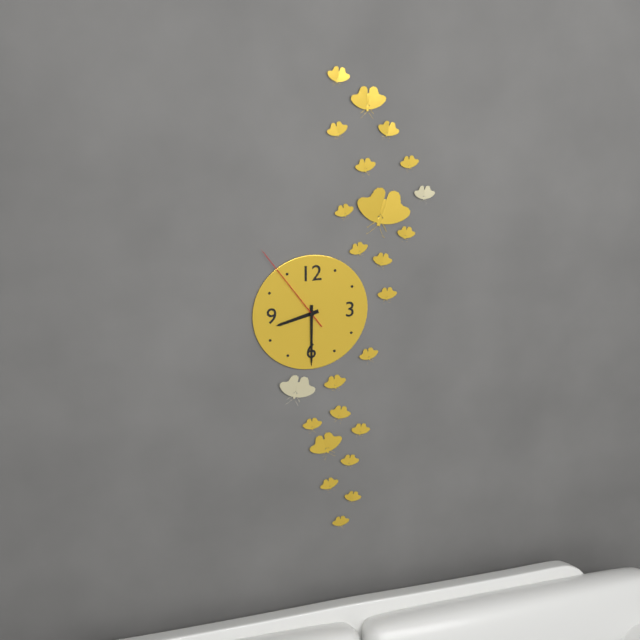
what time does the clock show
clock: 8:30:54
